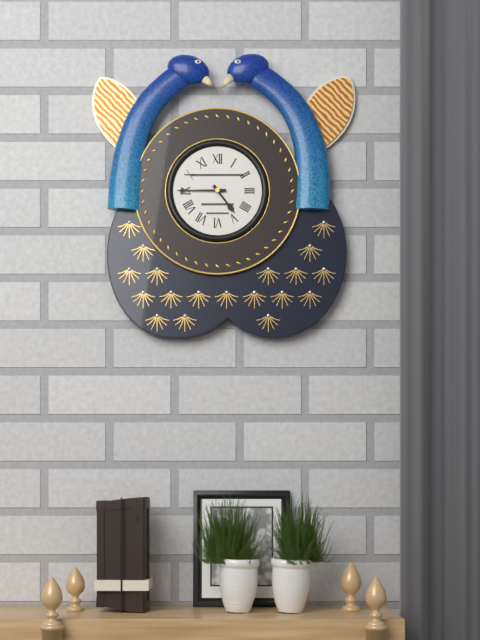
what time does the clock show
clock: 4:45
